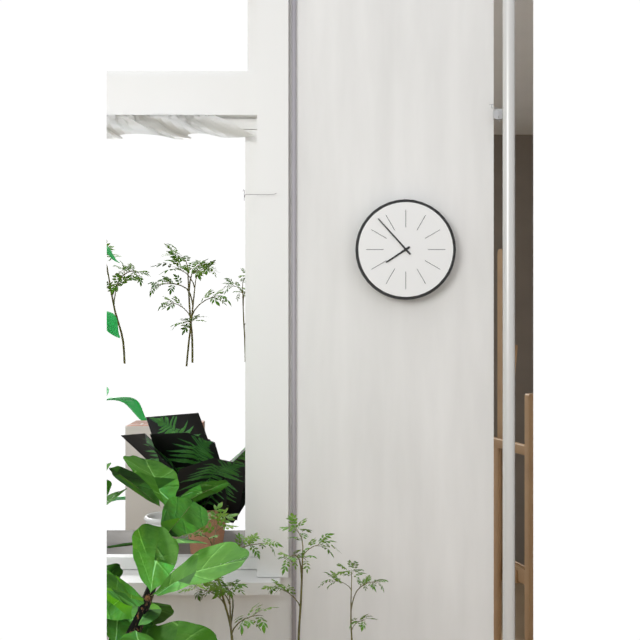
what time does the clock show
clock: 7:53
